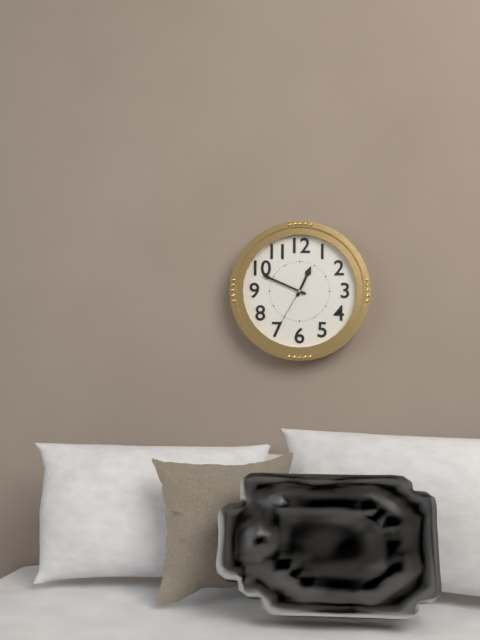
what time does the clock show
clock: 12:49:35
